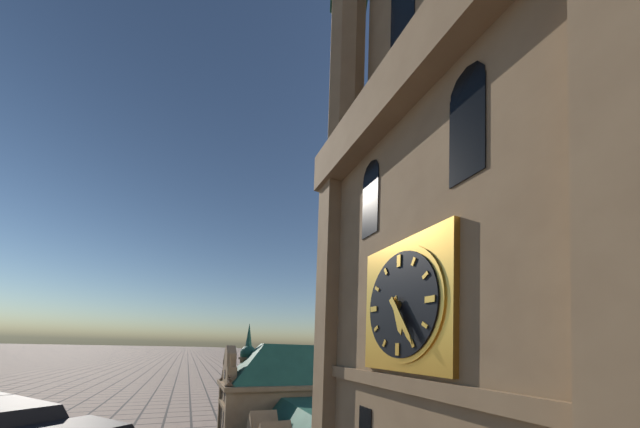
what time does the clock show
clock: 5:24
